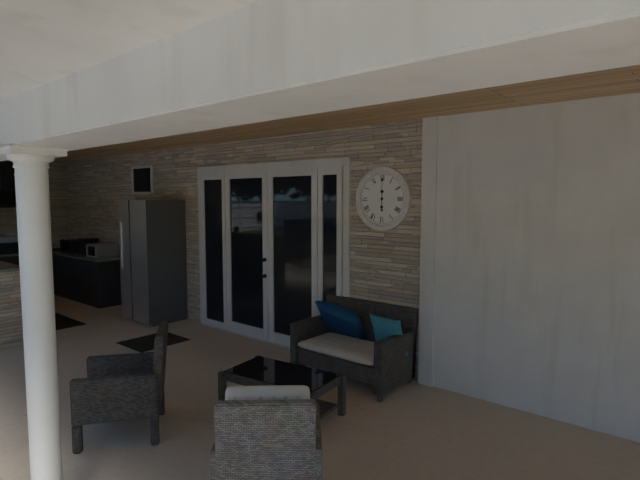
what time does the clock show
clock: 6:00
